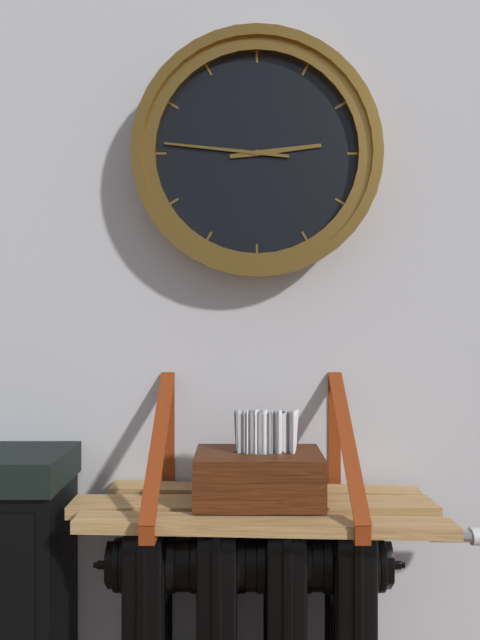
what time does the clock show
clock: 2:46
